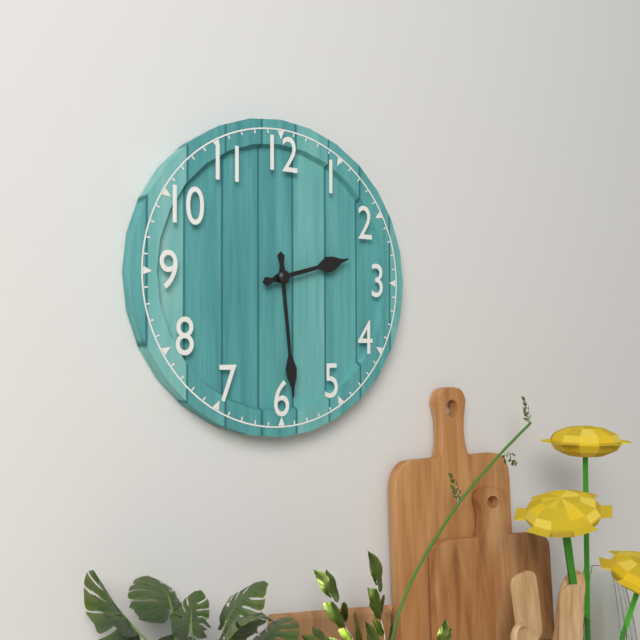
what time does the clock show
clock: 2:29
